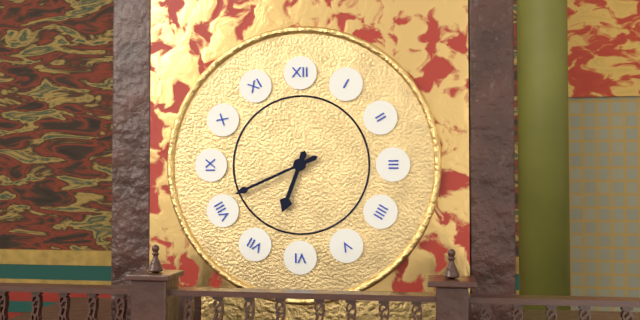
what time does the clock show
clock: 6:41
